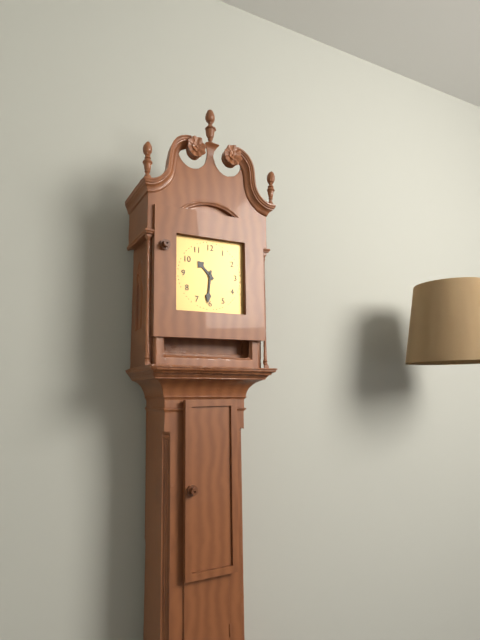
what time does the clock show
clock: 10:31
